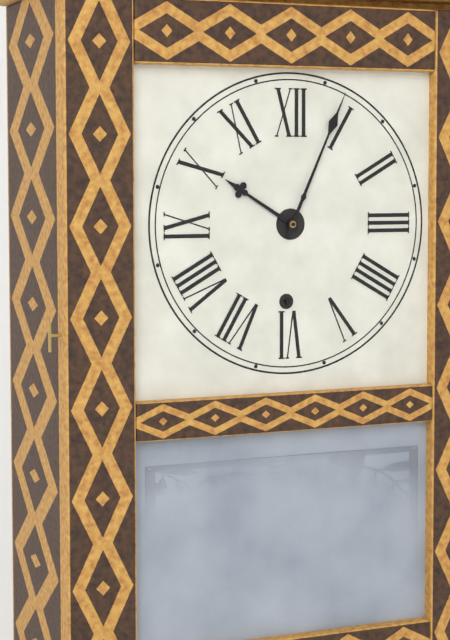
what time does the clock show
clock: 10:04
